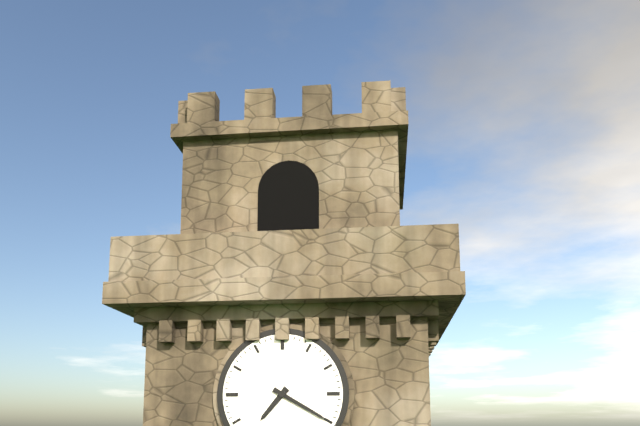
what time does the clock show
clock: 7:20
